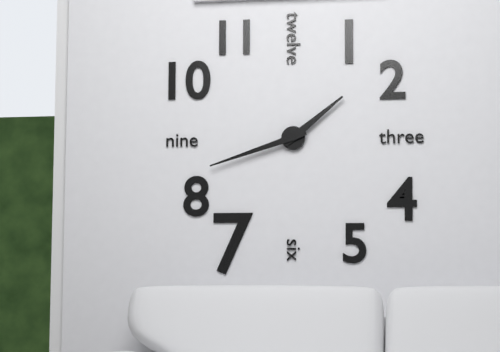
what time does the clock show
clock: 1:42
